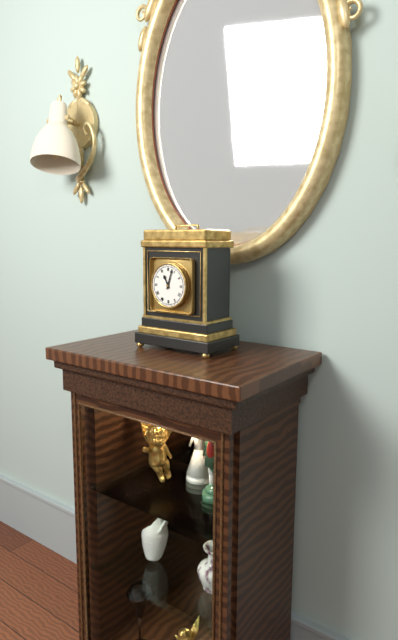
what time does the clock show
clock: 11:03
